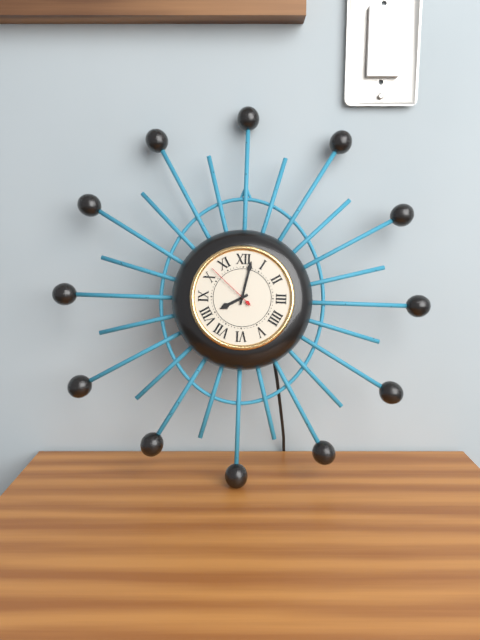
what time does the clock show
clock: 8:02:52
